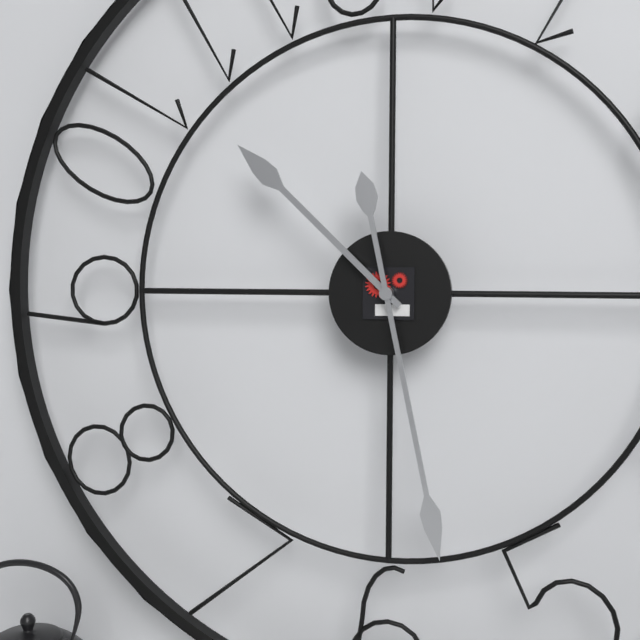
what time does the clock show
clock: 10:28
